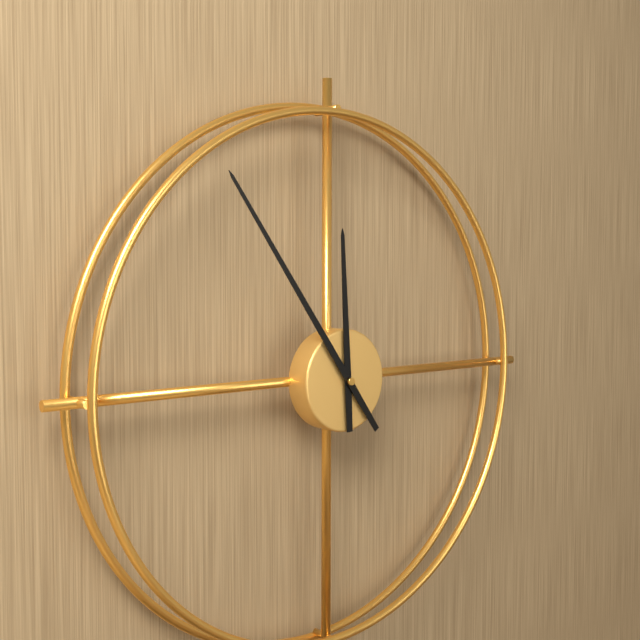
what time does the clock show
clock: 11:54
